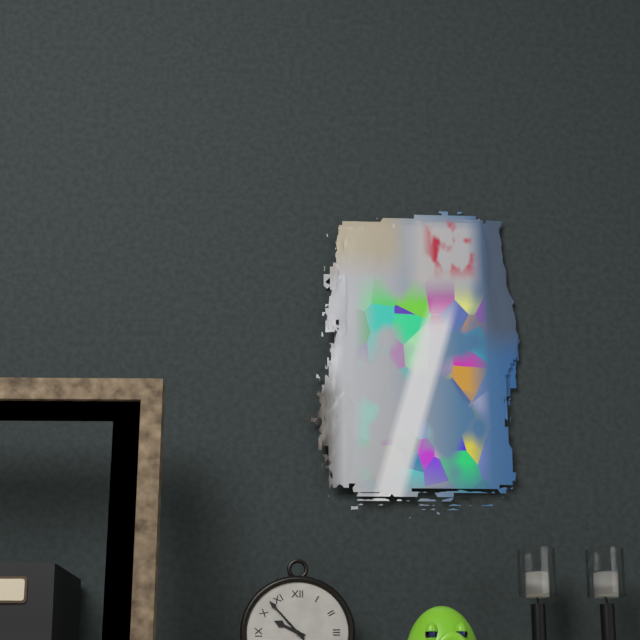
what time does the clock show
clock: 9:53
